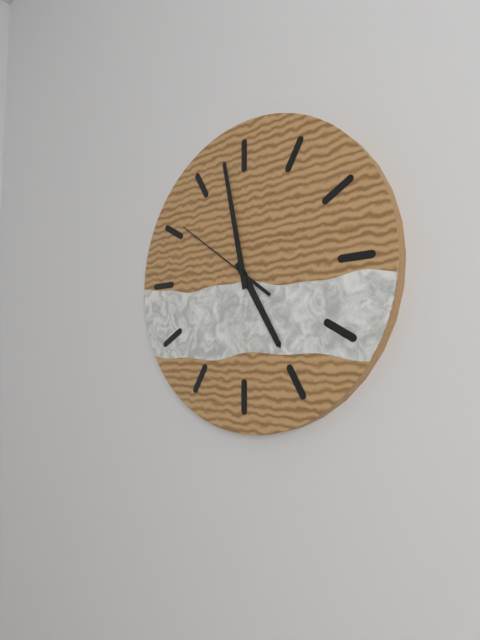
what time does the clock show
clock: 4:58:51
